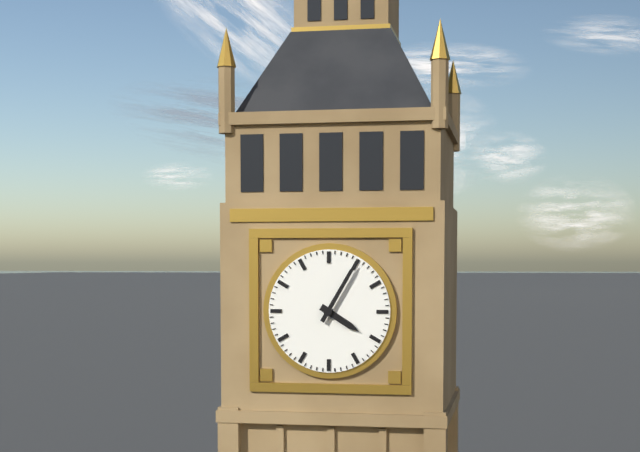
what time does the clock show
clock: 4:05
